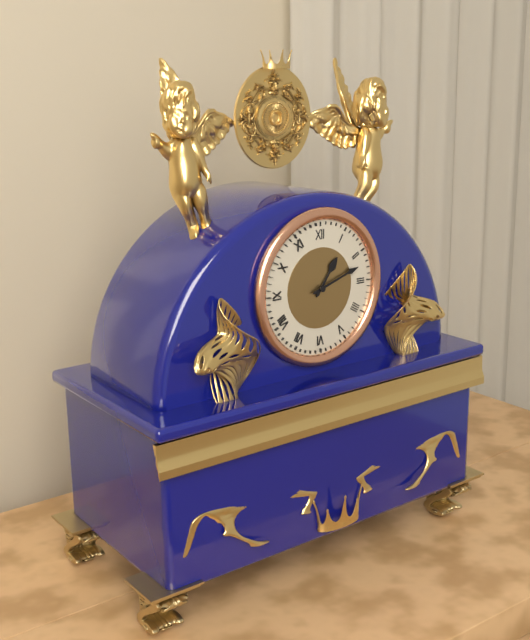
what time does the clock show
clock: 1:12
